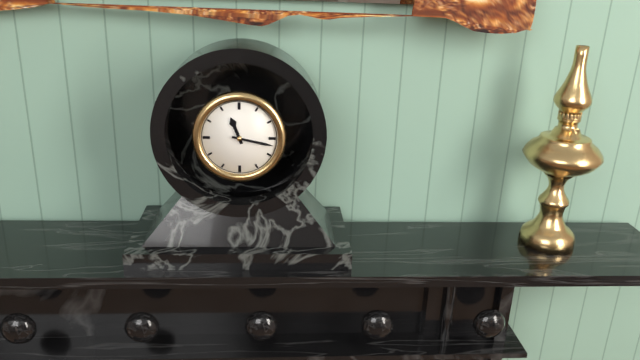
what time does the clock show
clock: 11:17
